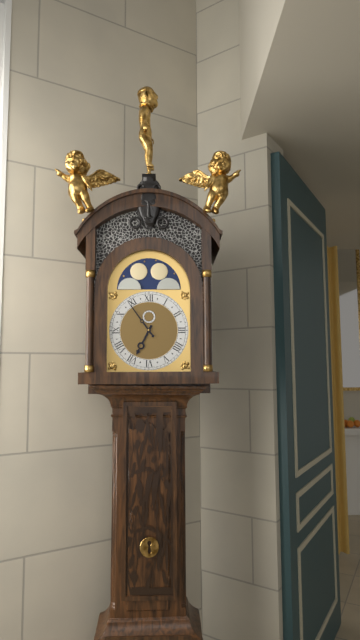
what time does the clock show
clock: 6:54
